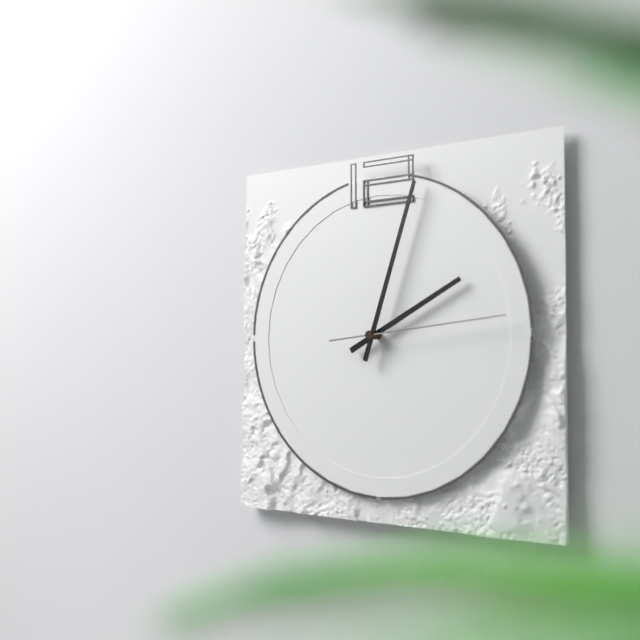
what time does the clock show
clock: 2:03:14
